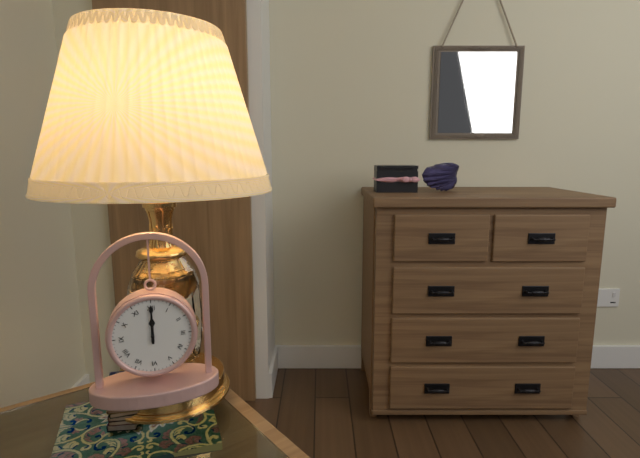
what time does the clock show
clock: 12:00
